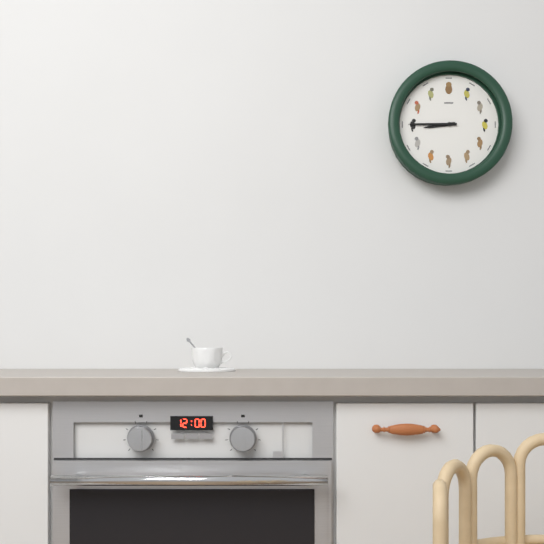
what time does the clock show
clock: 8:45
